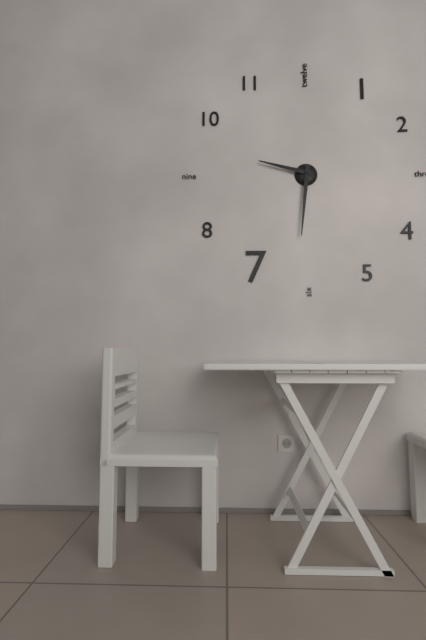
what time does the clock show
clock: 9:31
